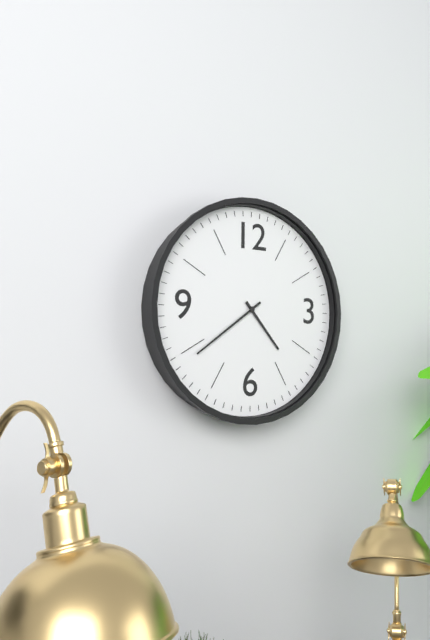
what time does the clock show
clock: 4:39
